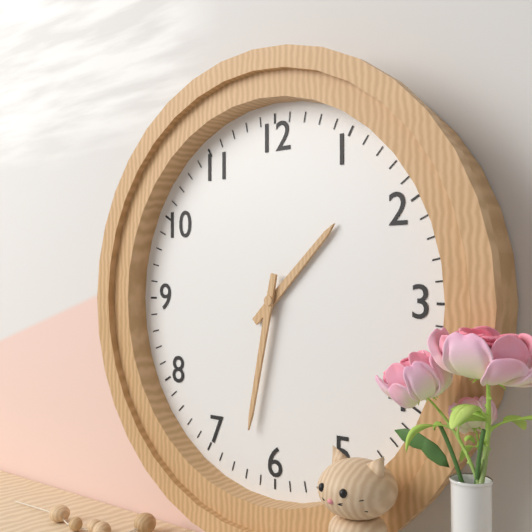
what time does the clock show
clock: 1:32
